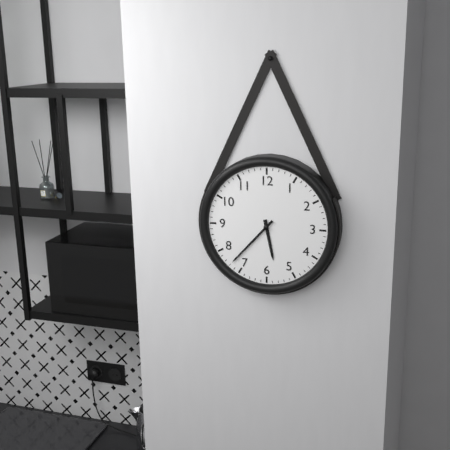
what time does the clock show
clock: 5:37
